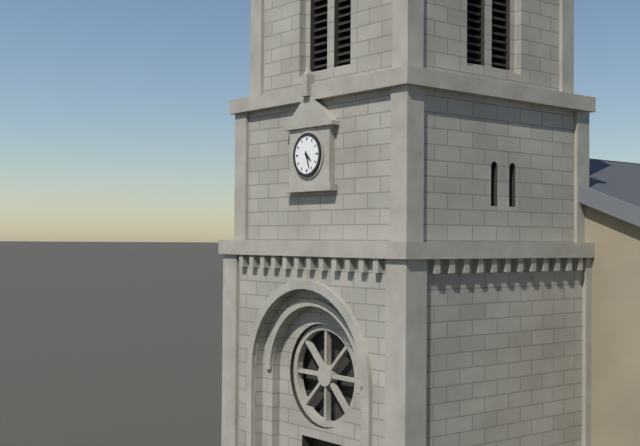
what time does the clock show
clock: 4:27
